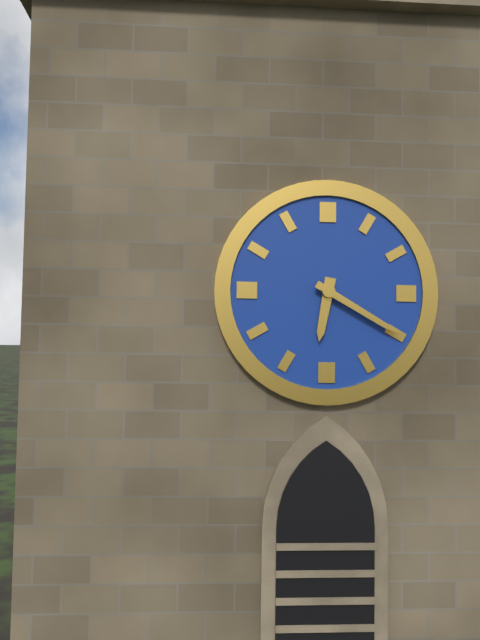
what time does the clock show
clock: 6:20
